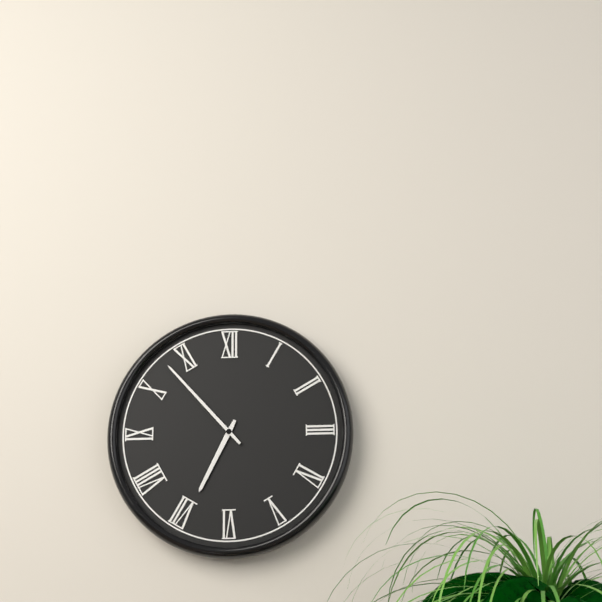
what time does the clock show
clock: 6:53
